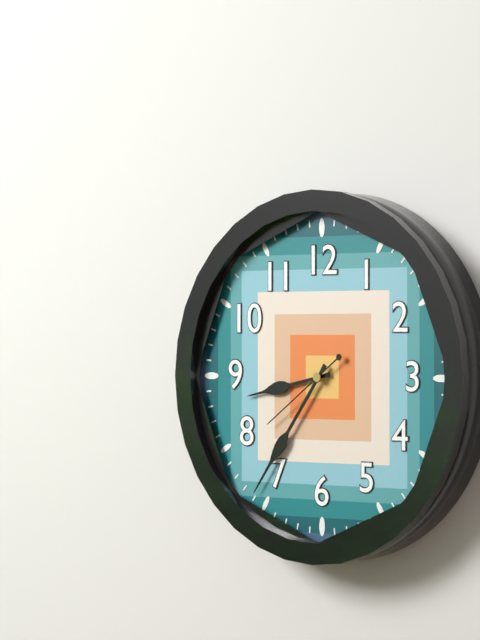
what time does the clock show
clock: 8:36:39
